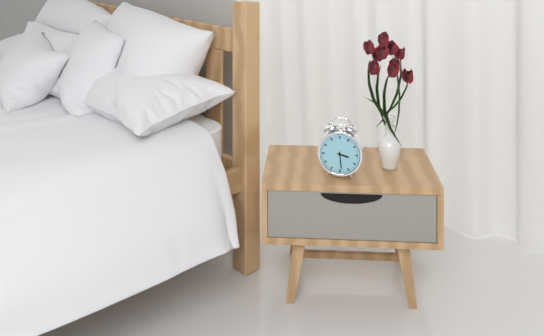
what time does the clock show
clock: 3:29
